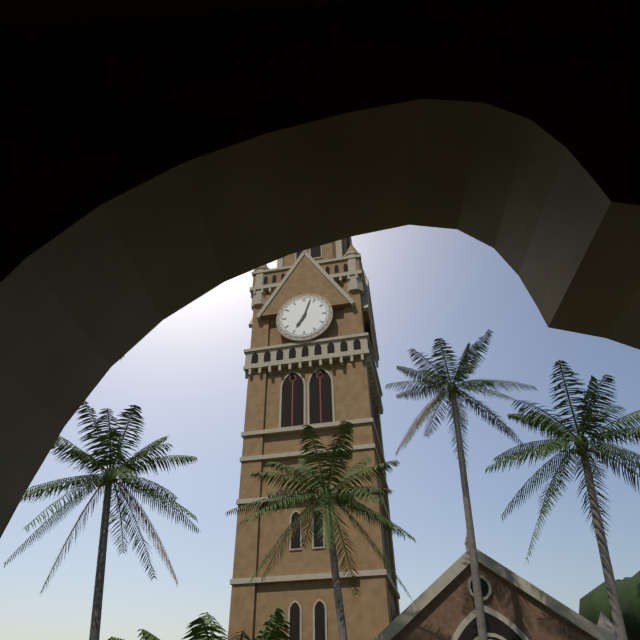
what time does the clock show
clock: 7:03
